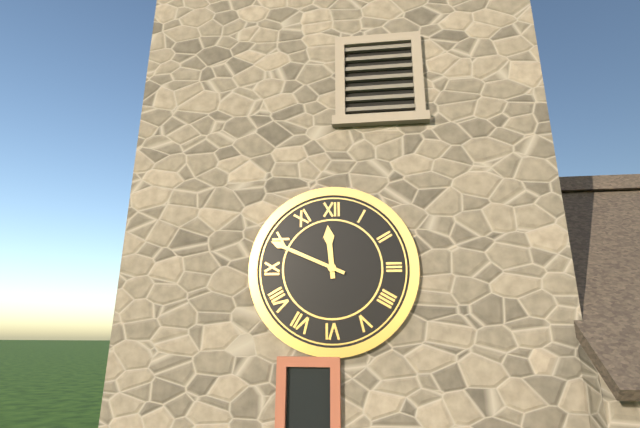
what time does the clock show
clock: 11:49
